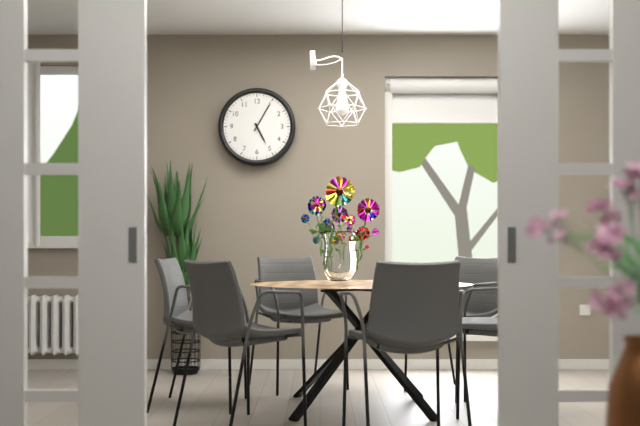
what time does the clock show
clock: 5:05
